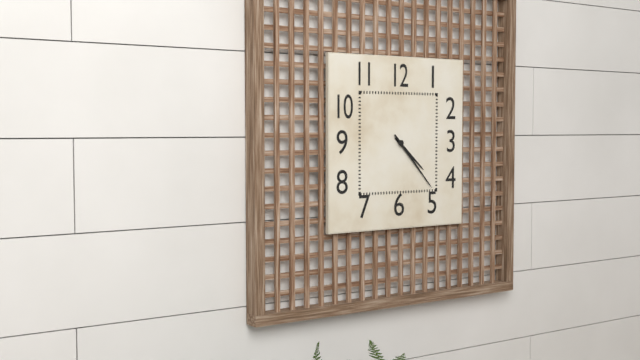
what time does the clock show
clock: 4:23
